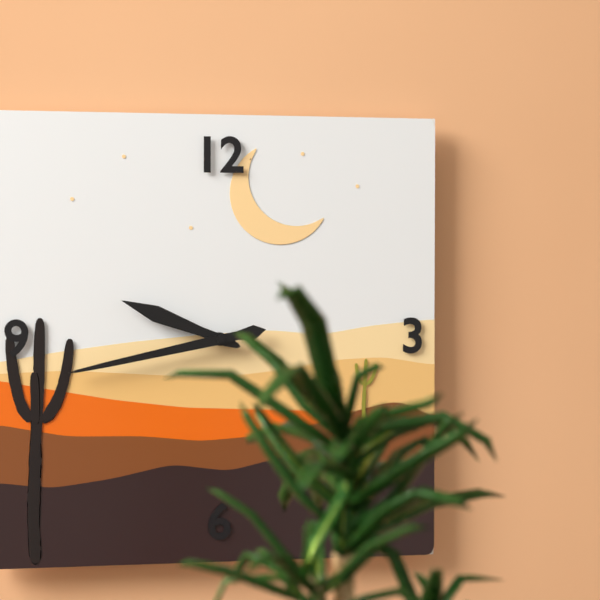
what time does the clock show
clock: 9:43
